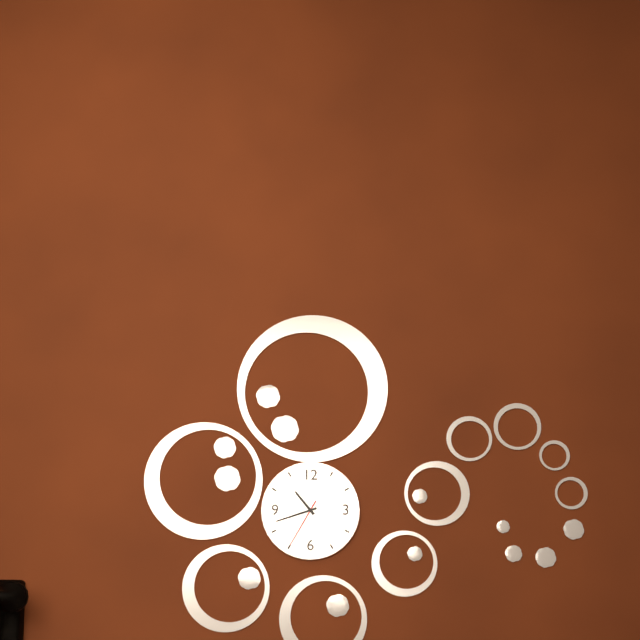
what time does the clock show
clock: 10:42
